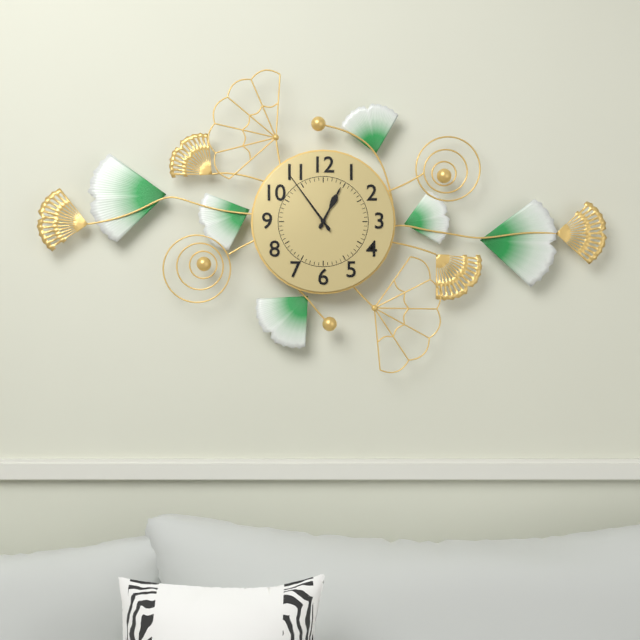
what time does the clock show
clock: 12:54
